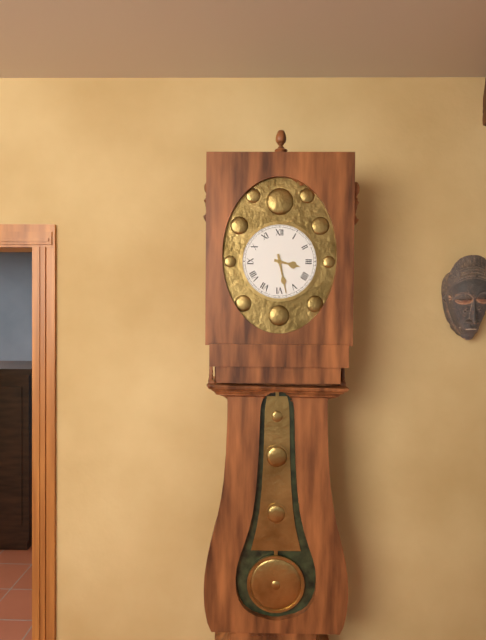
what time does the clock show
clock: 3:28
